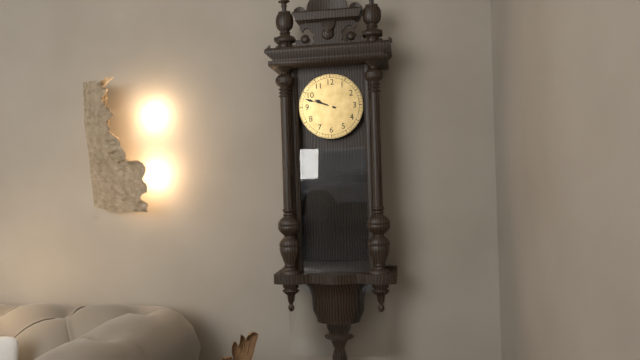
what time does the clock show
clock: 9:48
